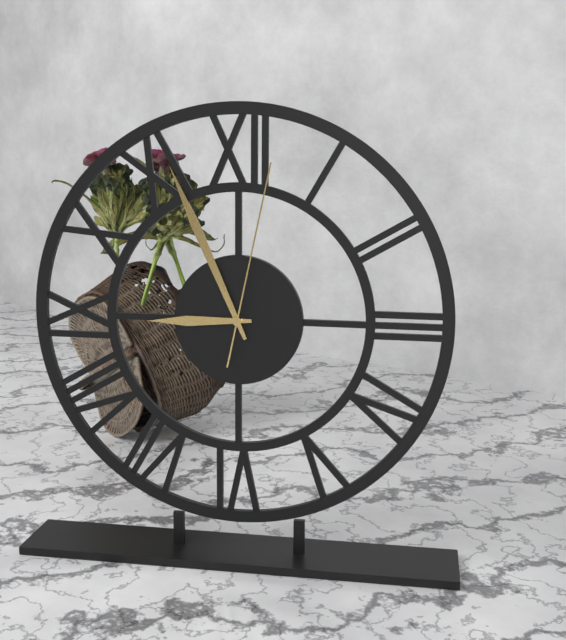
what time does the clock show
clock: 8:56:02
